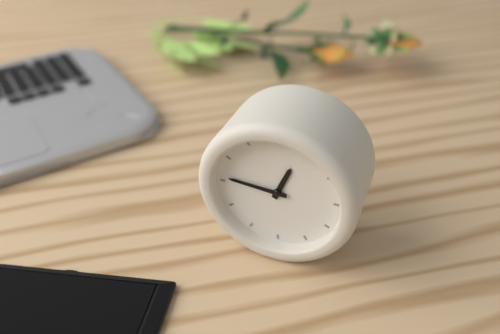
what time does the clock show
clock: 12:46
